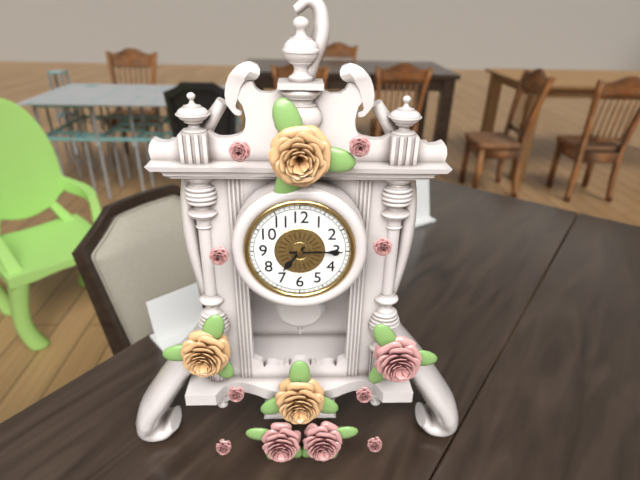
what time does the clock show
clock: 7:15
